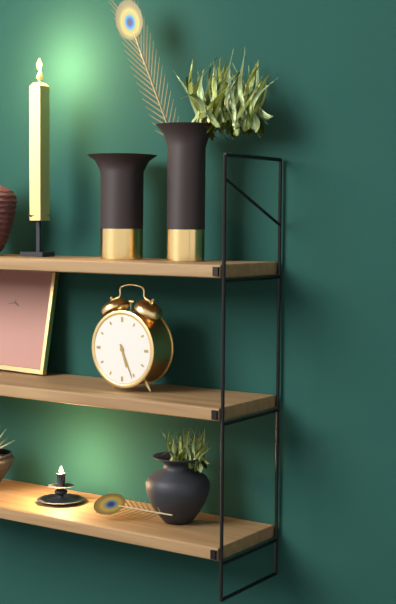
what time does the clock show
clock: 5:26
